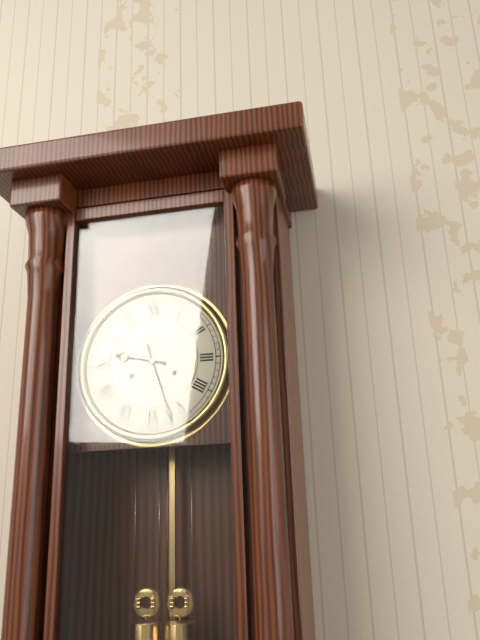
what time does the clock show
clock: 9:27
